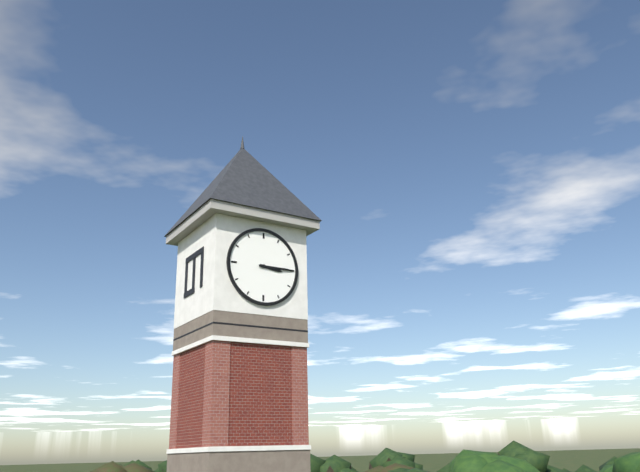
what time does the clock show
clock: 3:15
